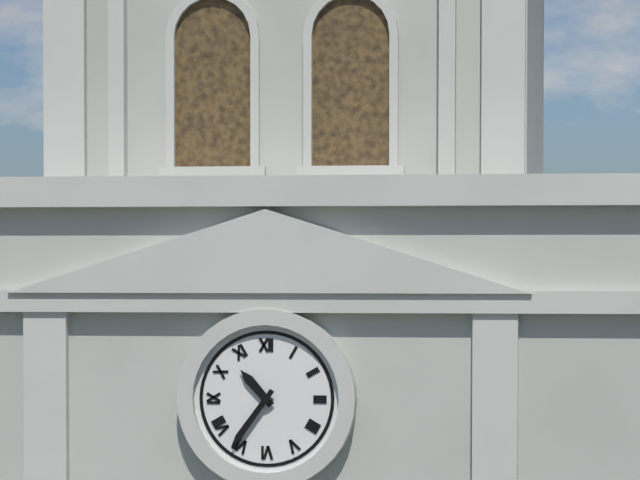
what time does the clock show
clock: 10:36
